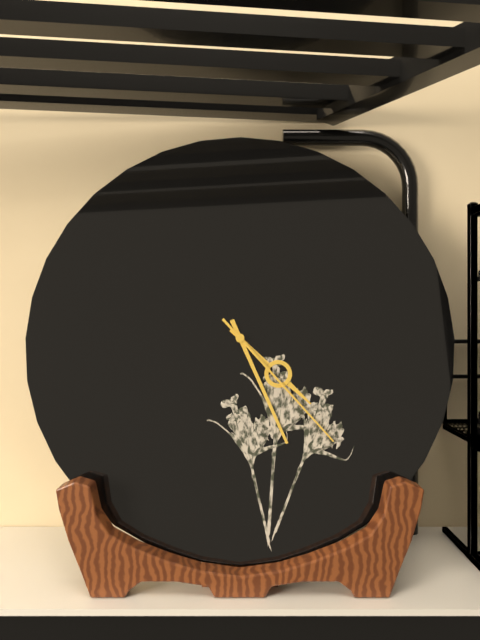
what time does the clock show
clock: 4:26:23
